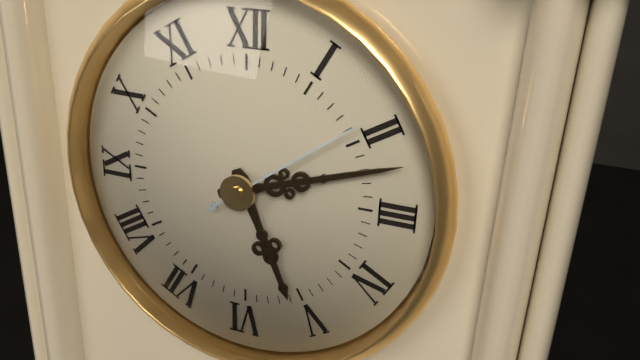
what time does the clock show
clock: 5:12:09
